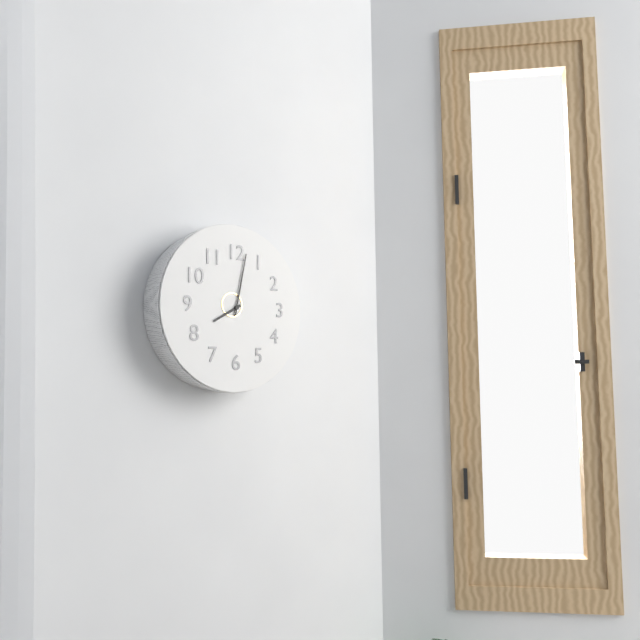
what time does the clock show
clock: 8:02
